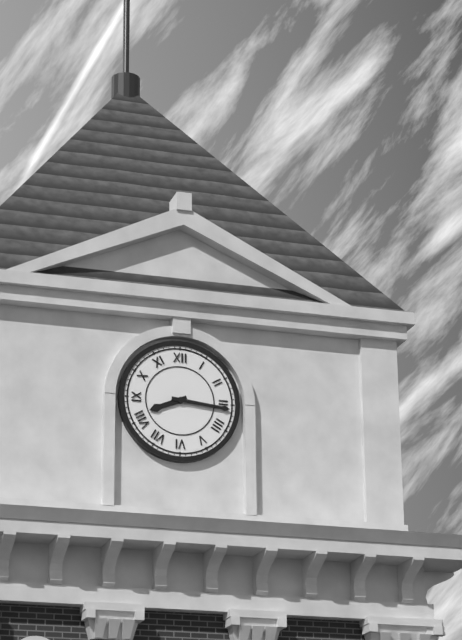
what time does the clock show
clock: 8:16
